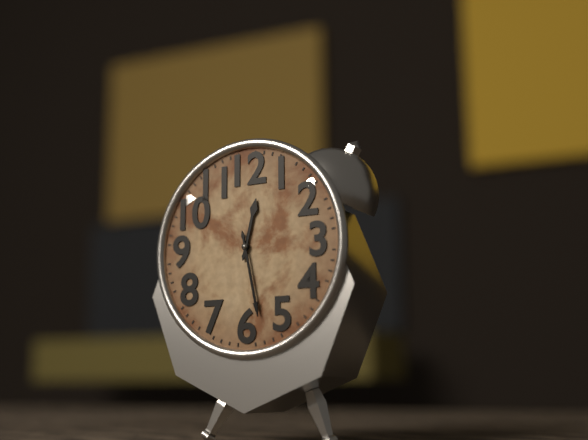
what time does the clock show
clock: 12:28
